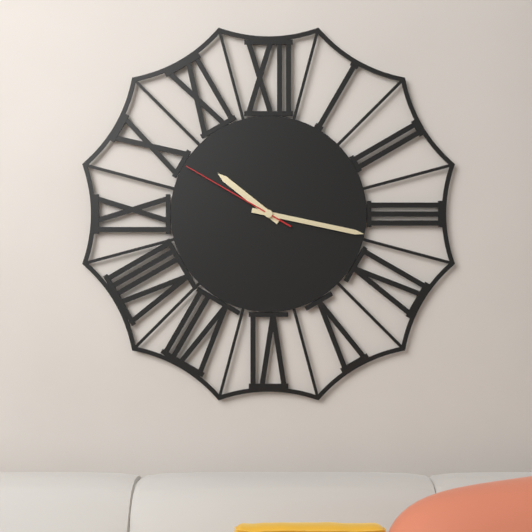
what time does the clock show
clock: 10:17:50
